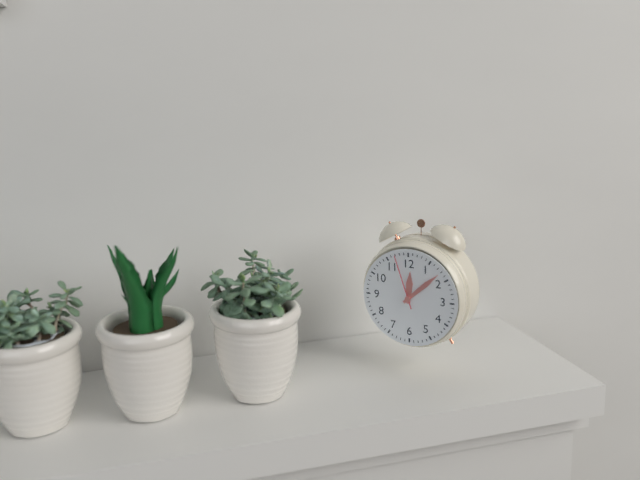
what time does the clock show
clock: 12:08:57
